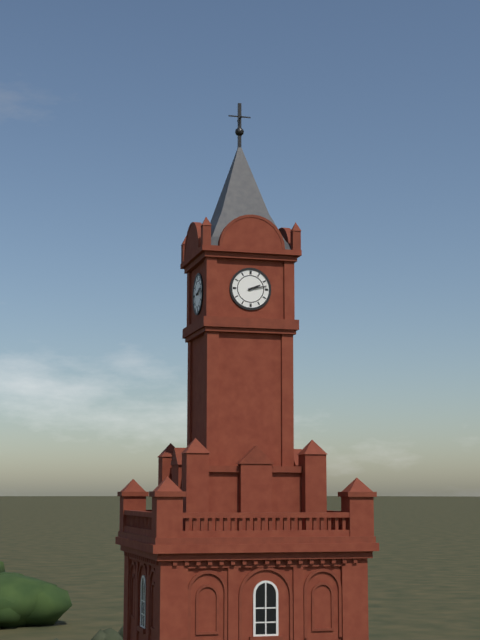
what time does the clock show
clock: 2:13
